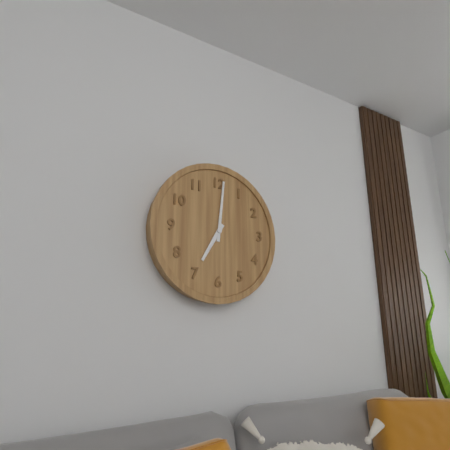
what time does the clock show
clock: 7:01
